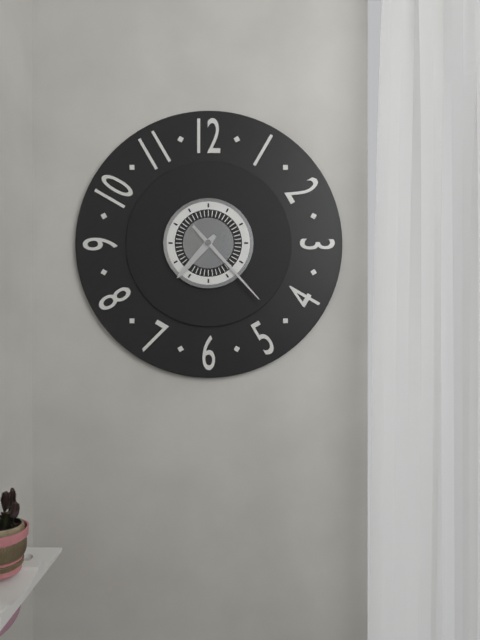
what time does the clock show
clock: 7:23
